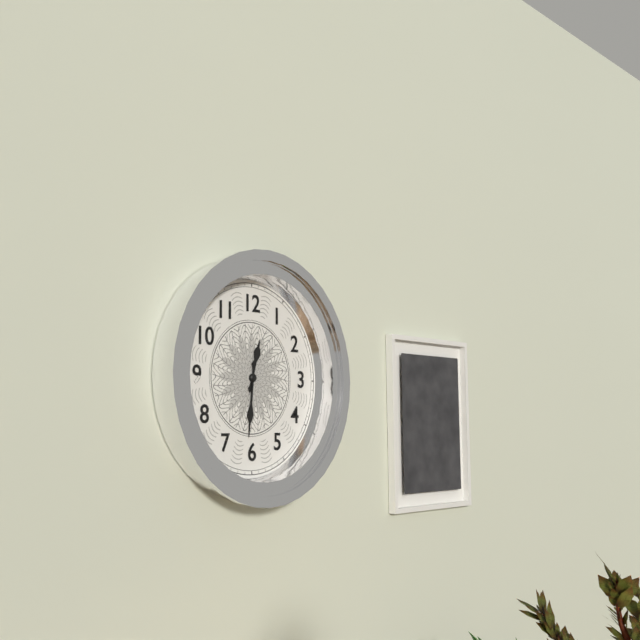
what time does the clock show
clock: 12:31
